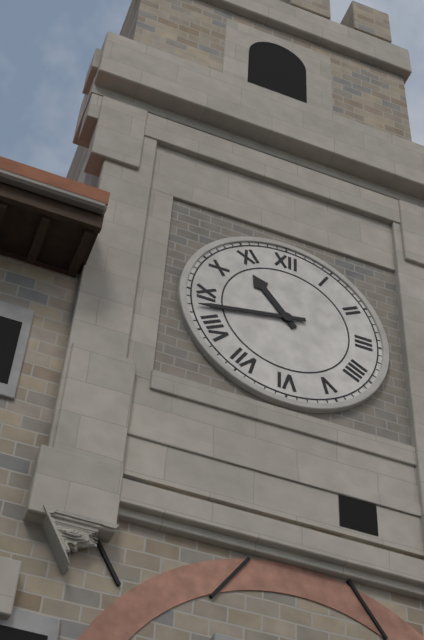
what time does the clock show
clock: 10:43
